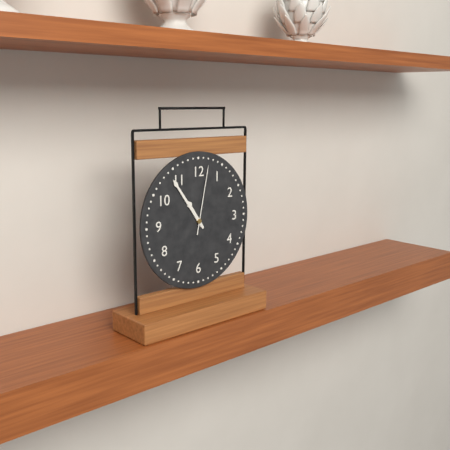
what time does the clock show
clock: 10:54:02
